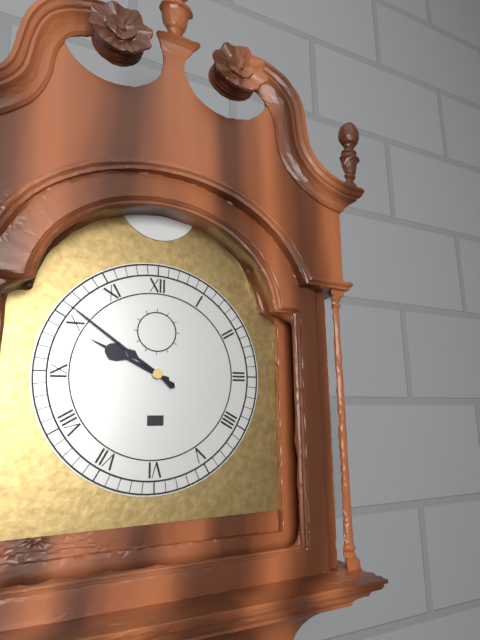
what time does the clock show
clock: 9:51
